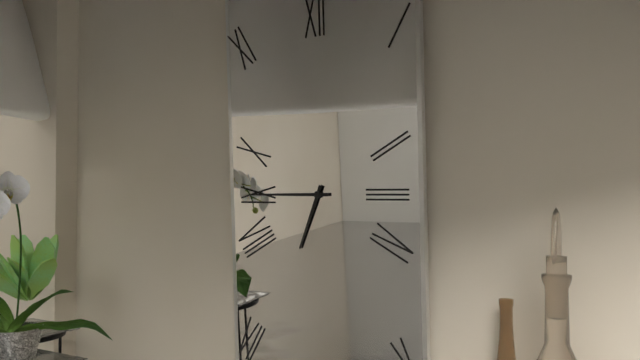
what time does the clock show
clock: 6:45
